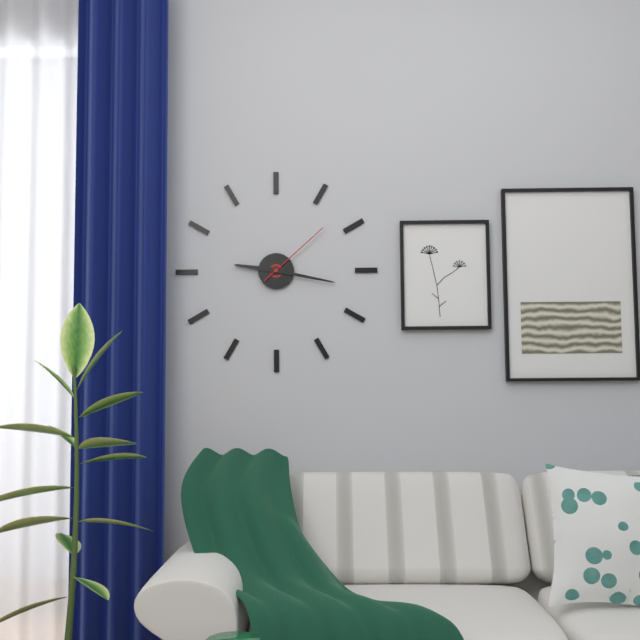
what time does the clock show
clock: 9:17:08
